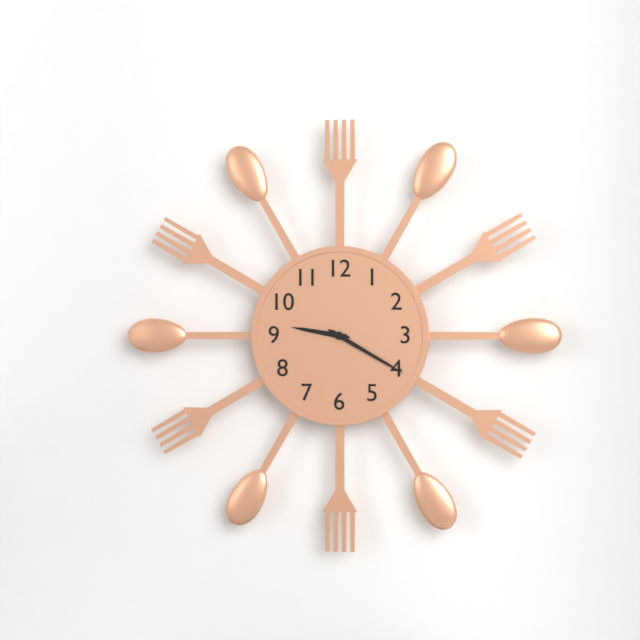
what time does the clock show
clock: 9:20
